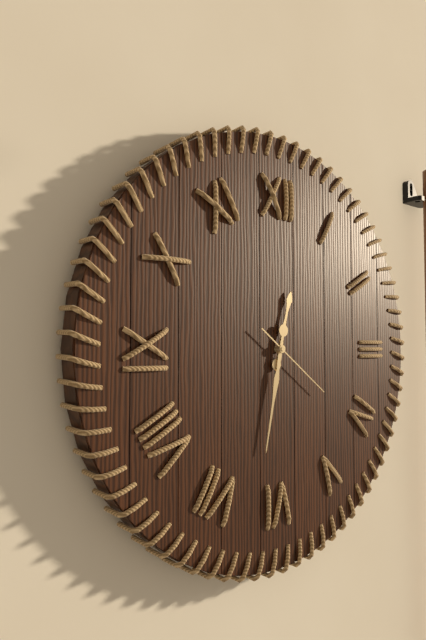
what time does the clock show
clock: 12:32:21
